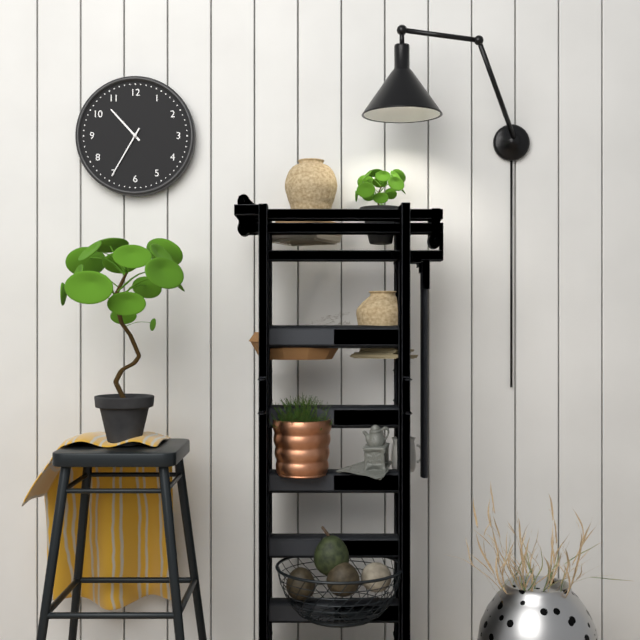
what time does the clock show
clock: 10:35
